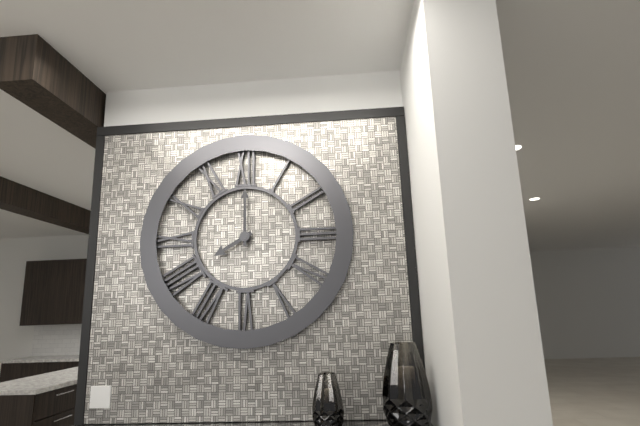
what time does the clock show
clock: 8:00
